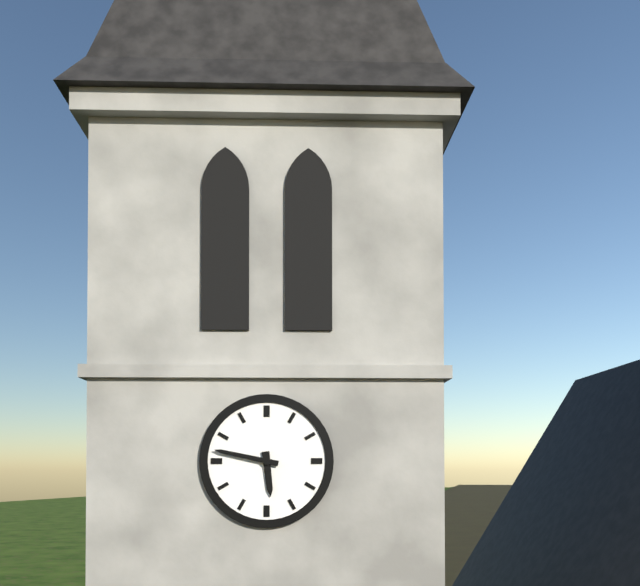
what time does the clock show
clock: 5:47
